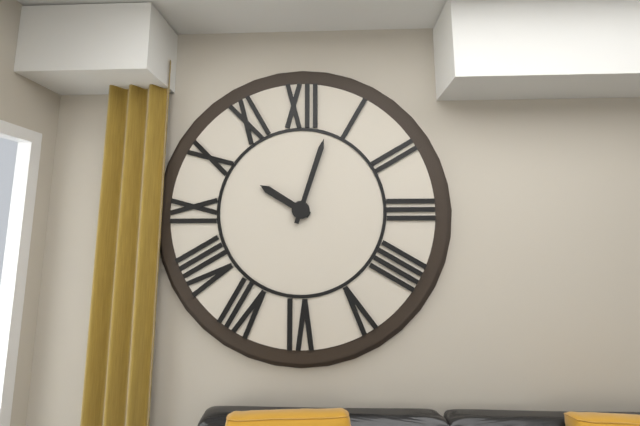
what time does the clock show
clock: 10:03
